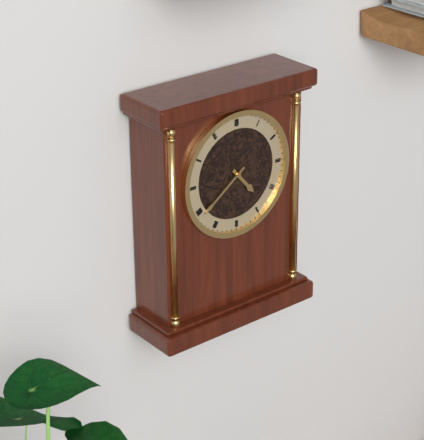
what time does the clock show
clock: 4:39
